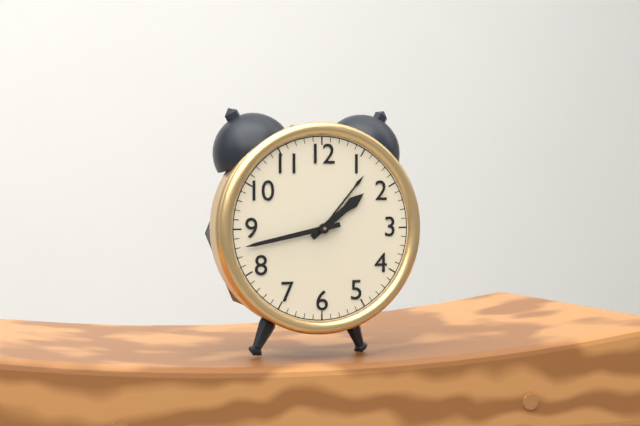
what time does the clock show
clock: 1:43
